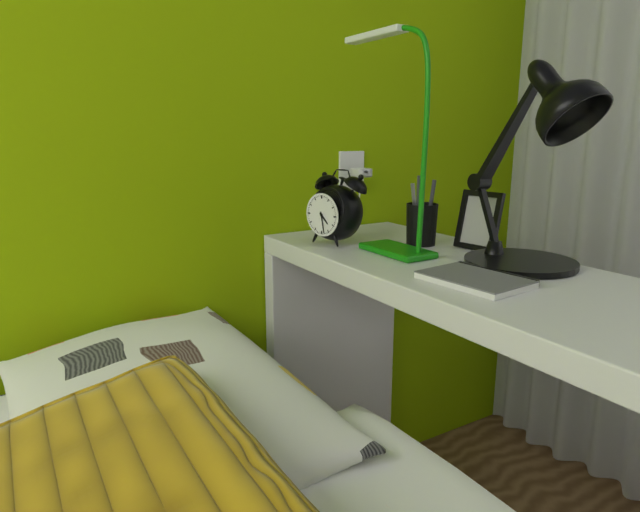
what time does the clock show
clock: 4:28
